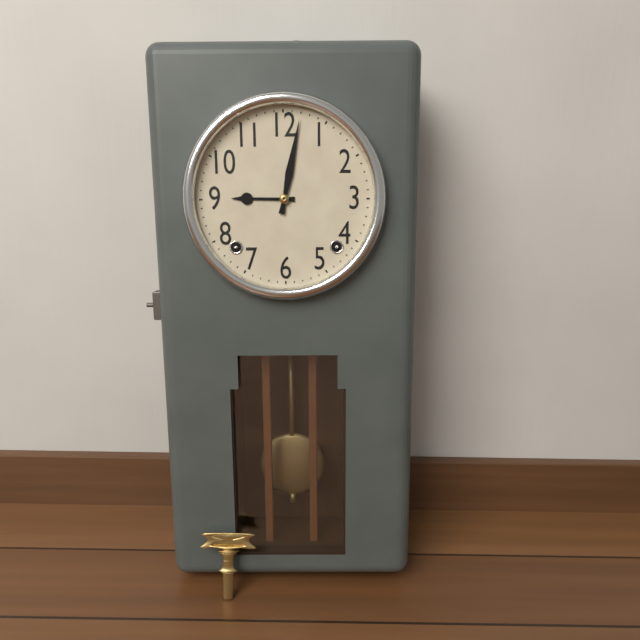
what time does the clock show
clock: 9:02
